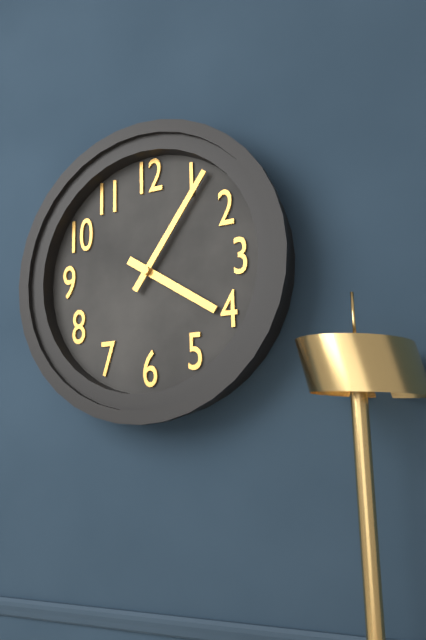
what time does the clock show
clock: 4:06
